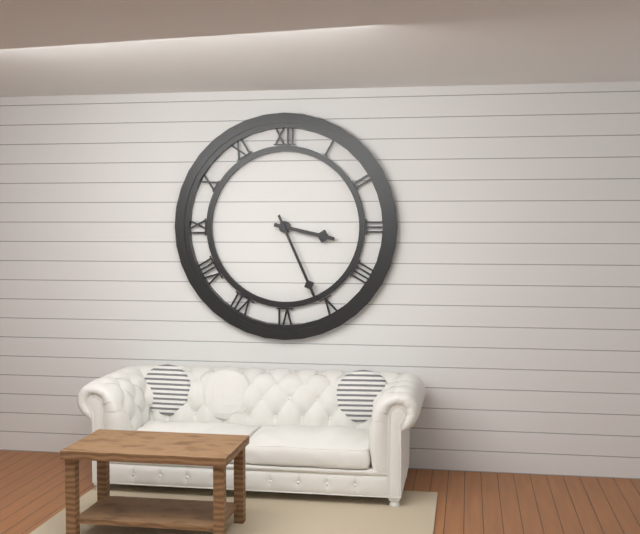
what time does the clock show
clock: 3:26
